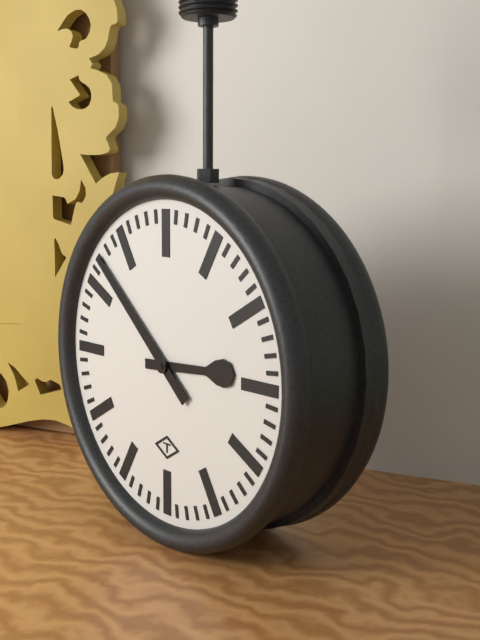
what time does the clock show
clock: 2:52
